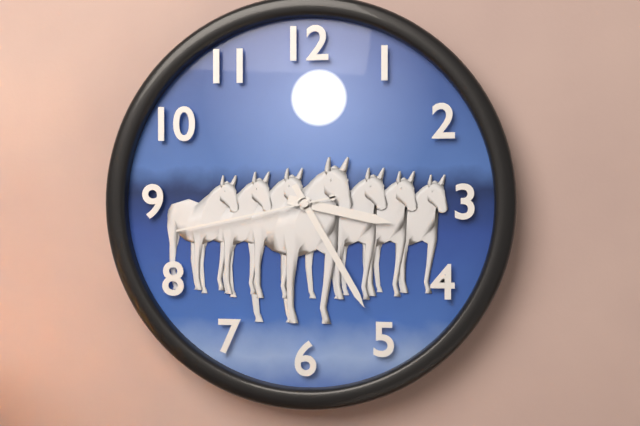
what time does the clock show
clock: 3:25:43
